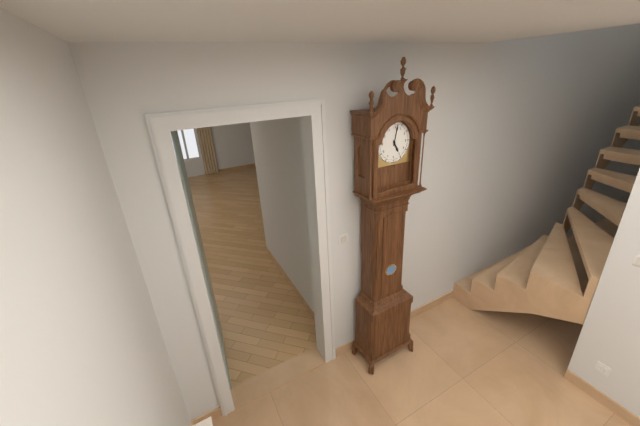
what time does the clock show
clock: 5:02
